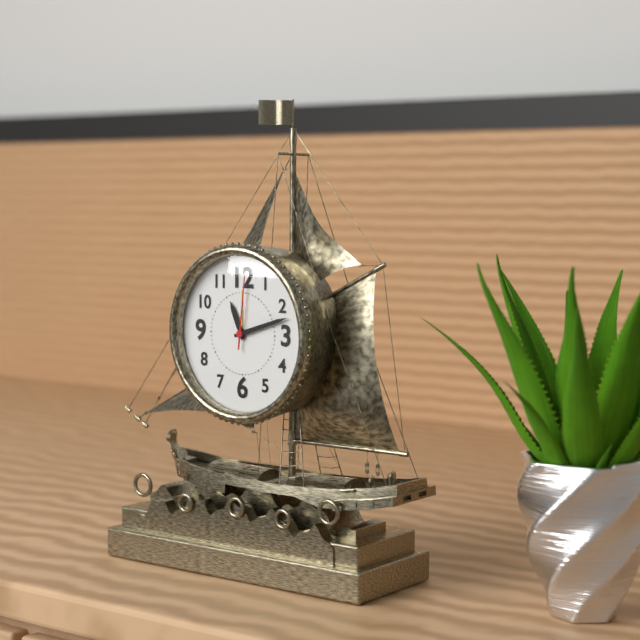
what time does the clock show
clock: 11:12:01
